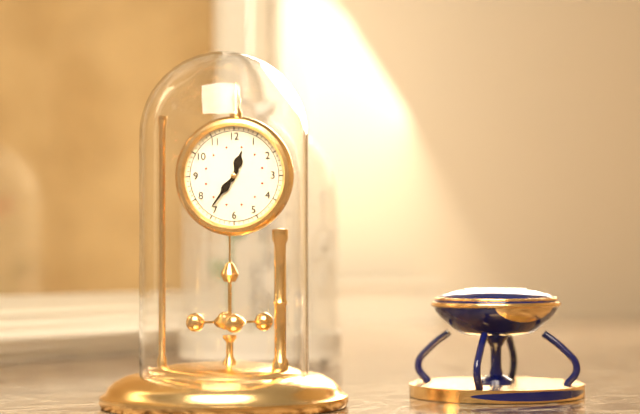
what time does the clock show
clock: 12:36
